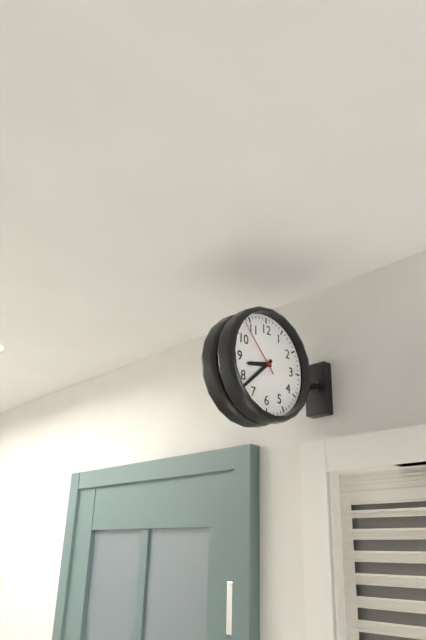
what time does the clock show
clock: 8:38:53
